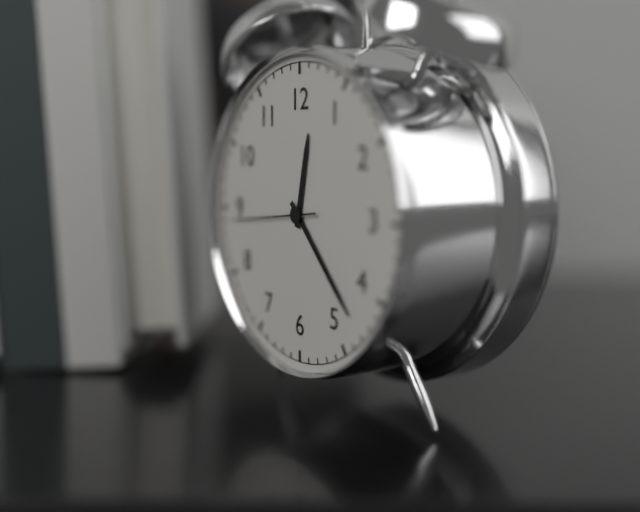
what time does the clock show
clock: 12:23:44
